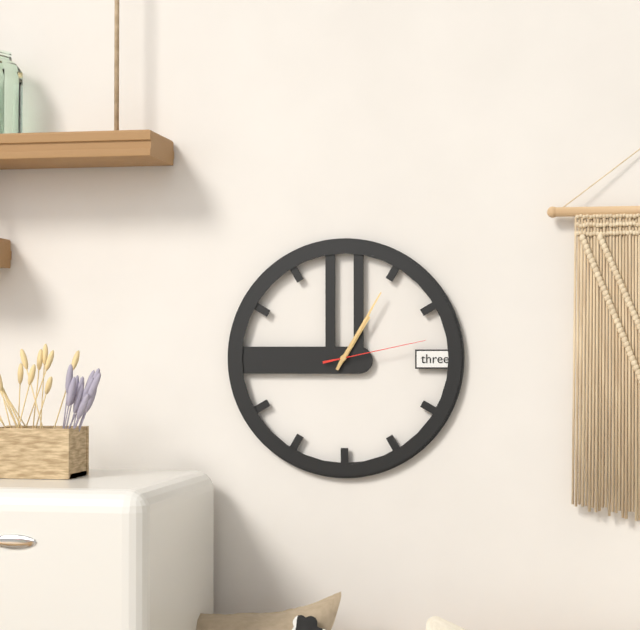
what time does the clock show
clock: 1:05:13
